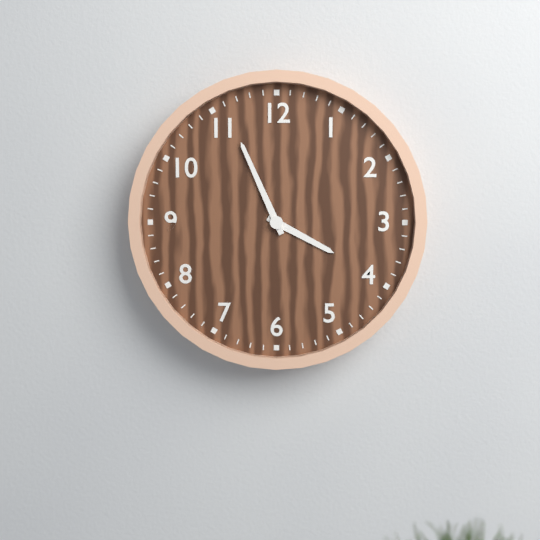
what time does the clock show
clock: 3:56
